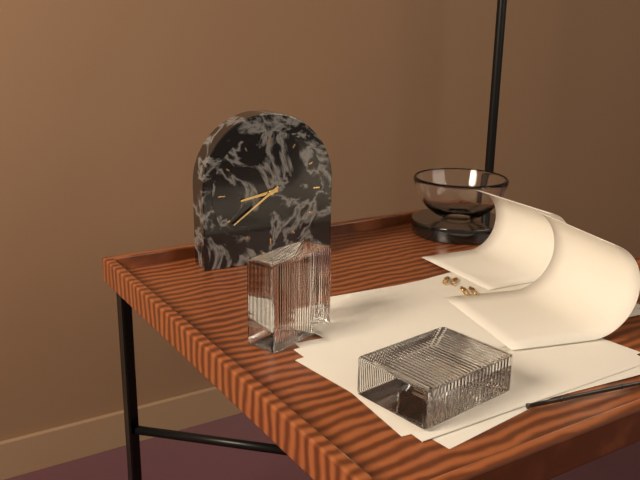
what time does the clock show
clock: 8:39
